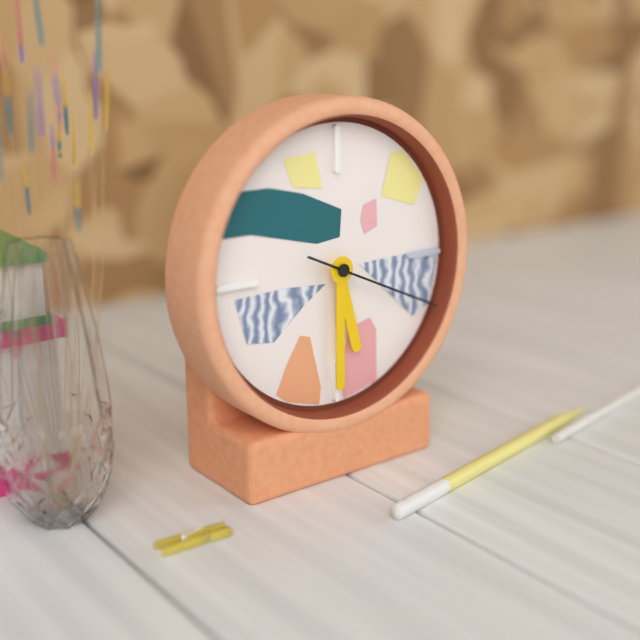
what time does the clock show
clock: 5:30:19
